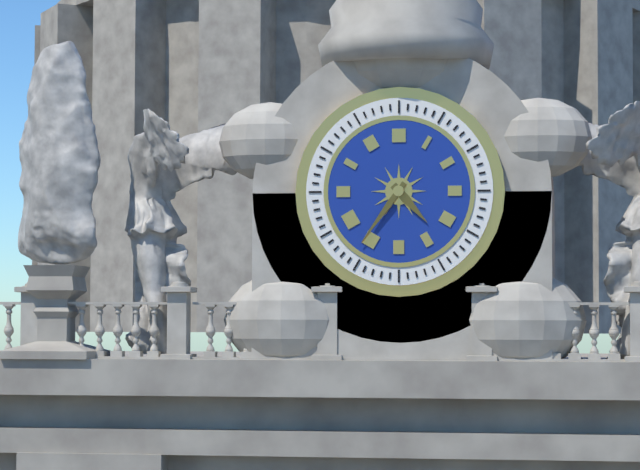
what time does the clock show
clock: 4:36
